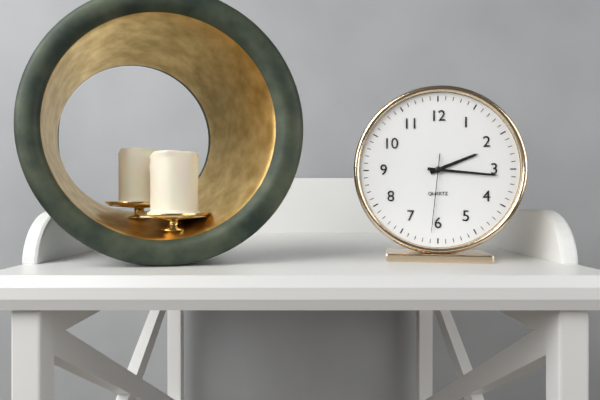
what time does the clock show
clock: 2:16:31
